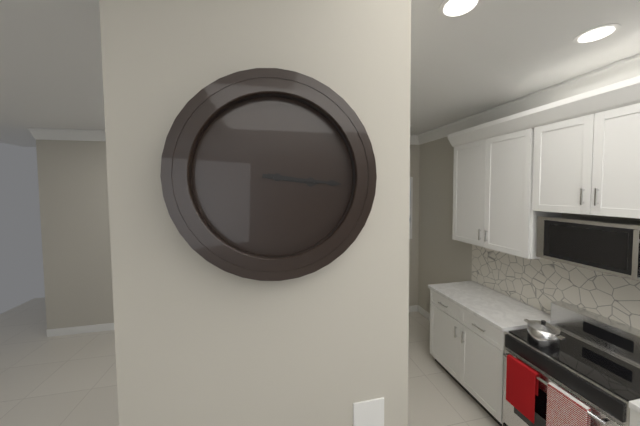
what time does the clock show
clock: 3:16
